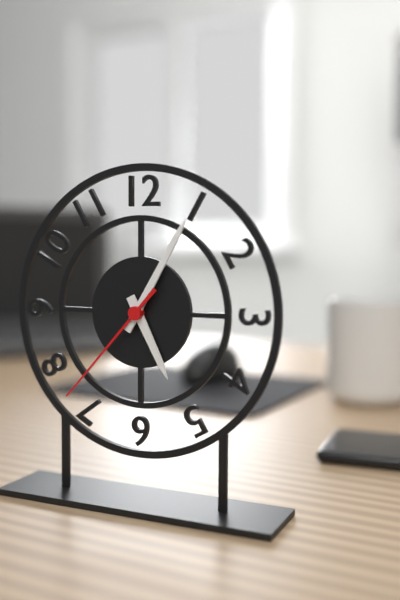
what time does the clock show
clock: 5:05:37
